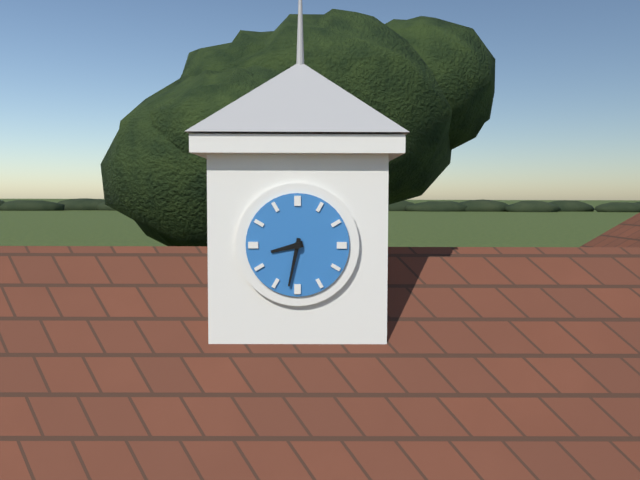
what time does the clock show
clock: 8:32
